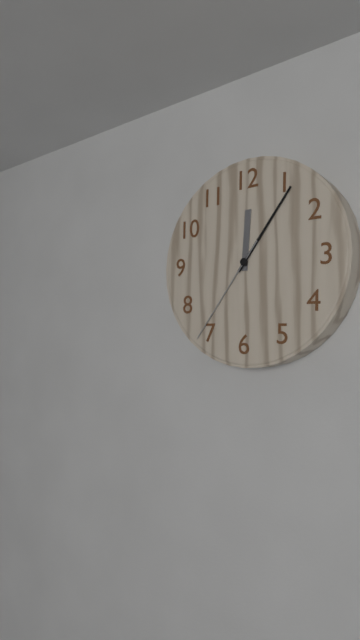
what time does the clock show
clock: 12:06:36
